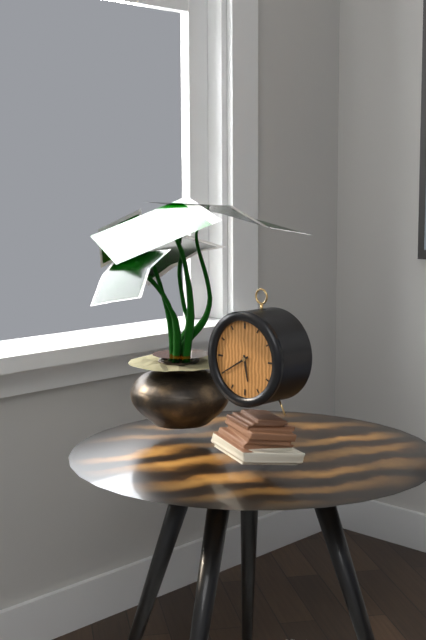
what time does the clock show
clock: 5:40
